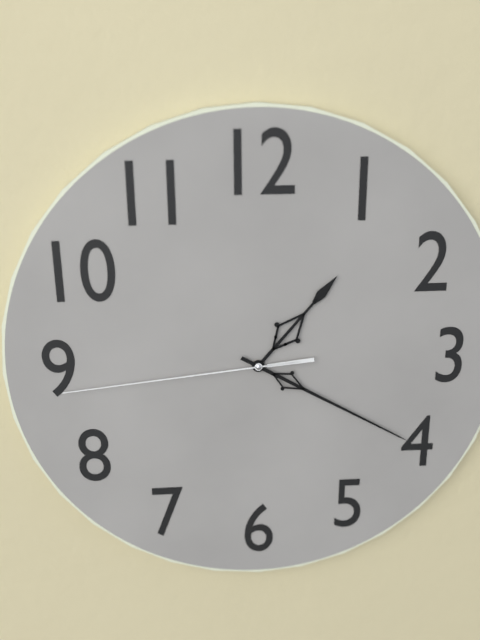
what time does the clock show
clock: 1:20:44
